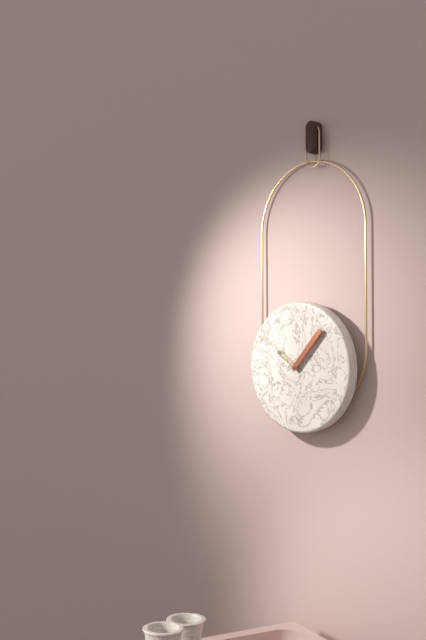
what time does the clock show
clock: 10:07
